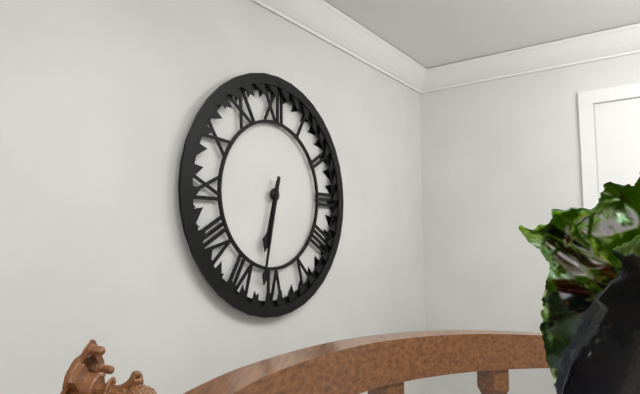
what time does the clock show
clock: 6:32
